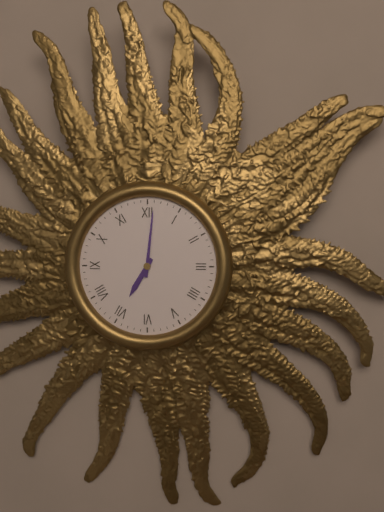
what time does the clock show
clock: 7:01
